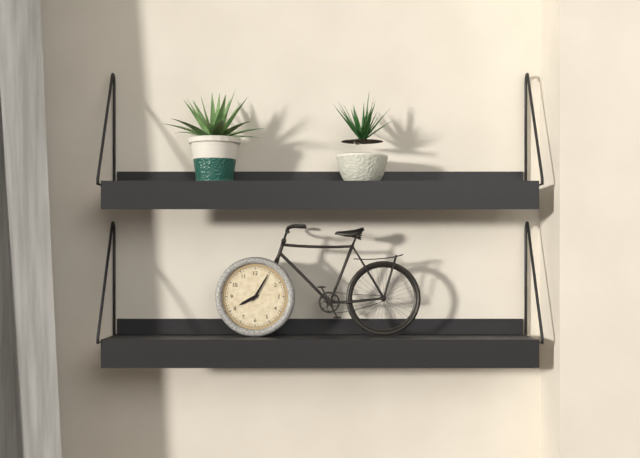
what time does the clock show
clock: 8:05
